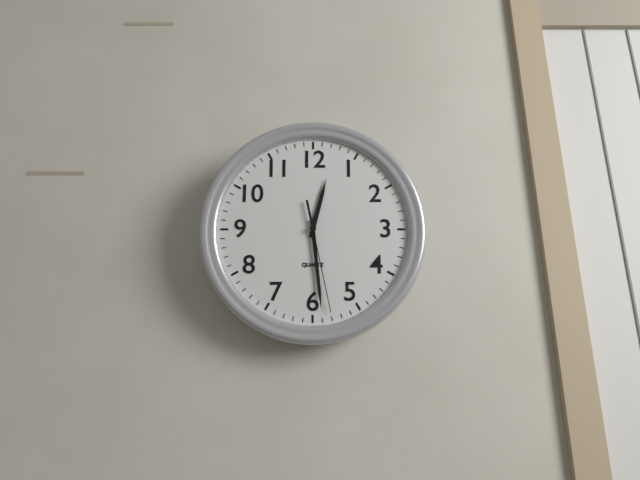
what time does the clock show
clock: 12:29:28
